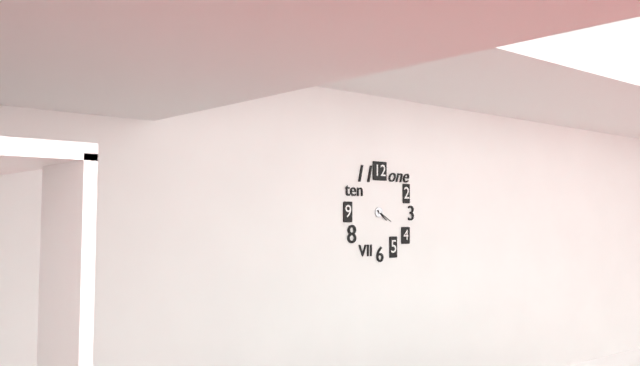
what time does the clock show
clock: 4:20
